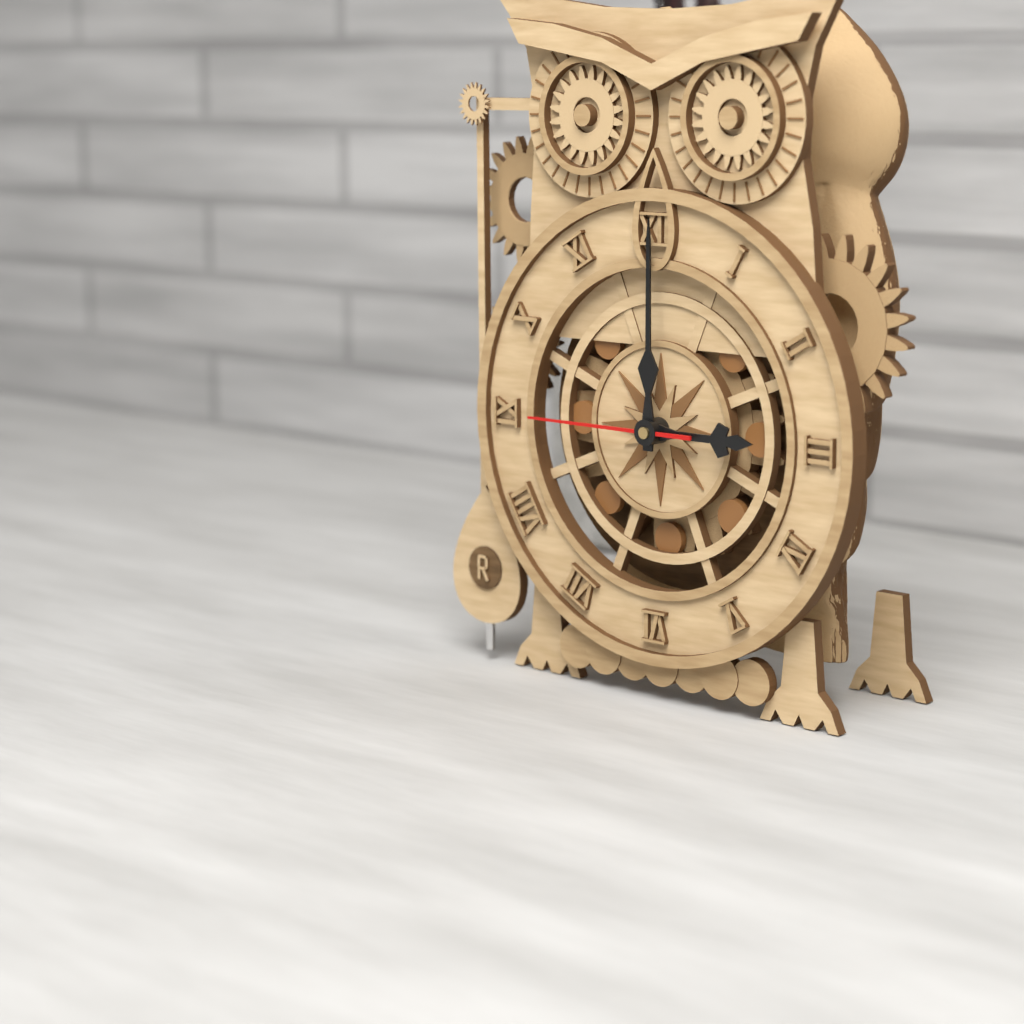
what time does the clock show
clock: 3:00:45
